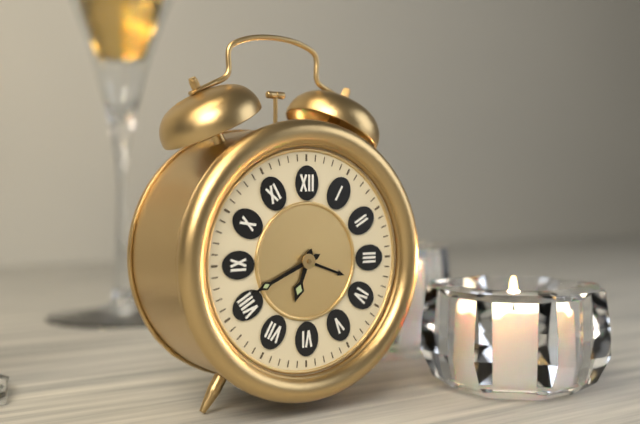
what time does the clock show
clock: 6:41
